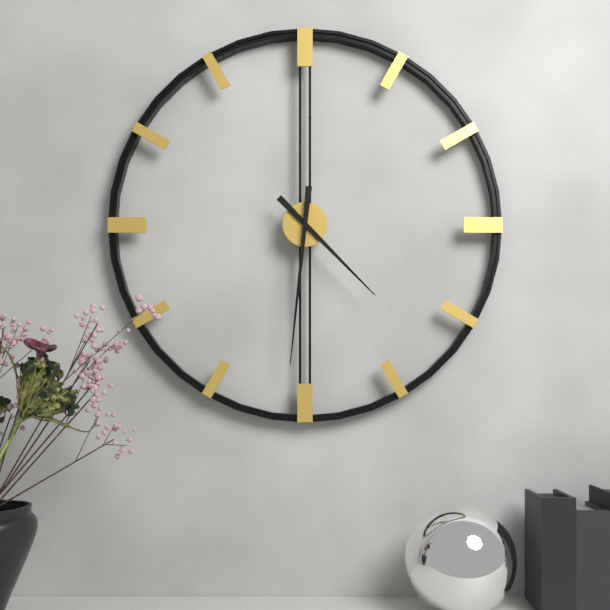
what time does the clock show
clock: 4:31
